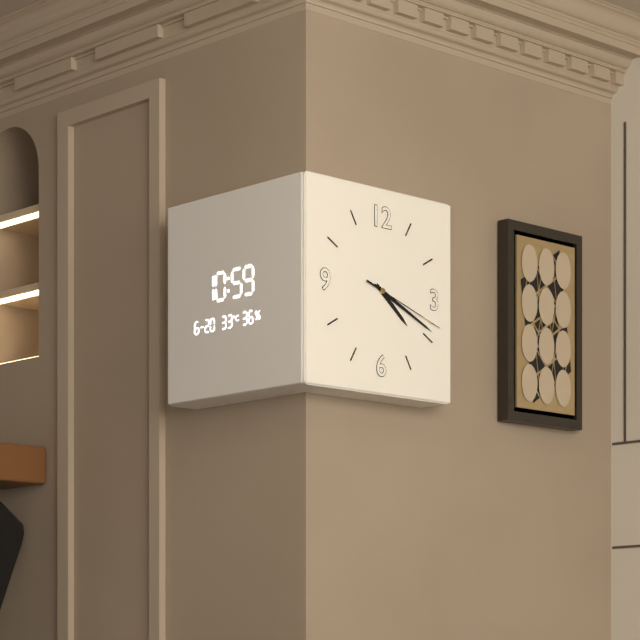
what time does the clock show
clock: 4:19:18
